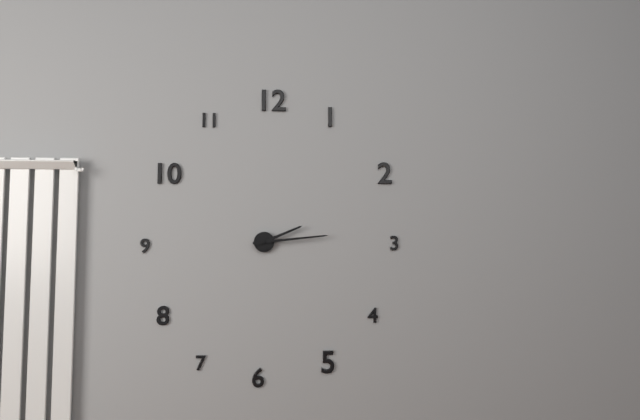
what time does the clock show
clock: 2:14
